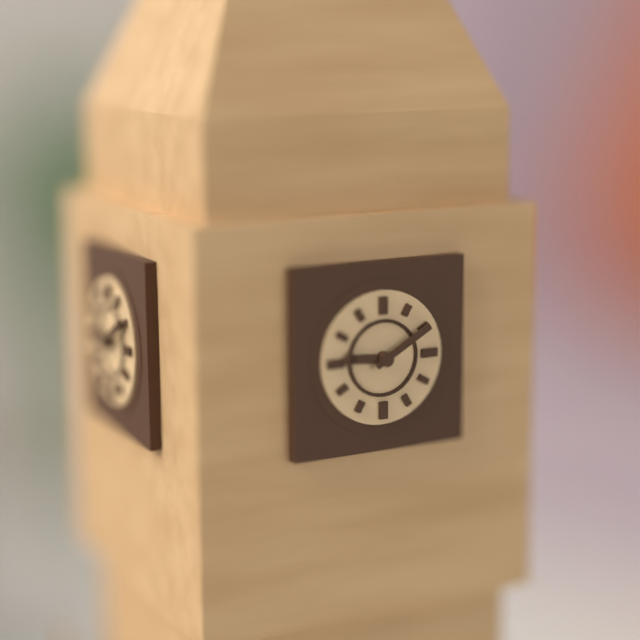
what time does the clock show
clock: 9:10
